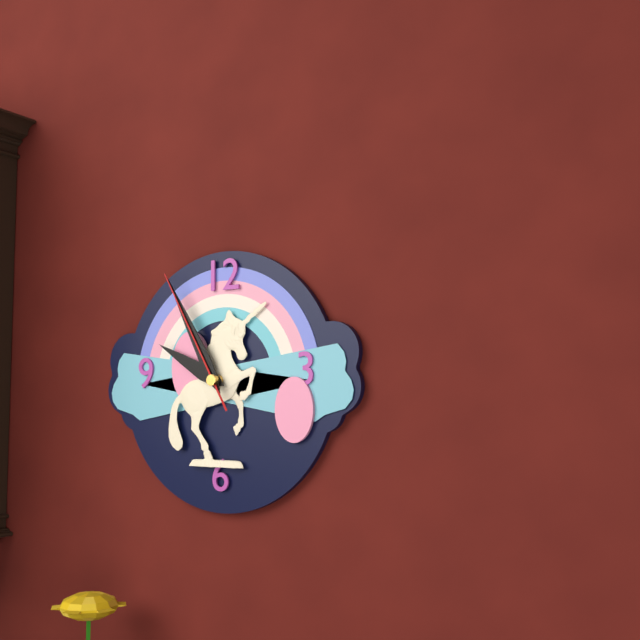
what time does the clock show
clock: 9:55:55
